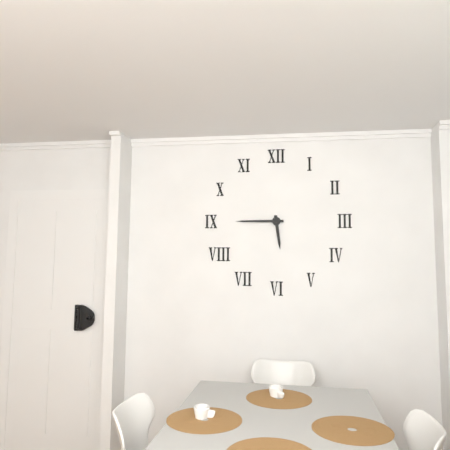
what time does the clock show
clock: 5:45
